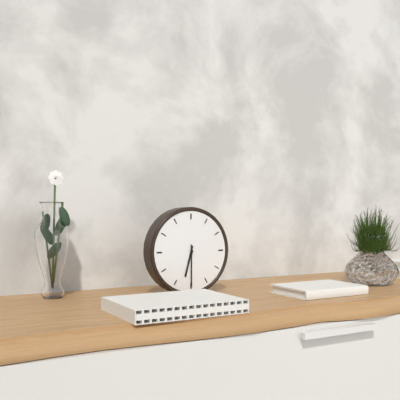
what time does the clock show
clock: 6:30
